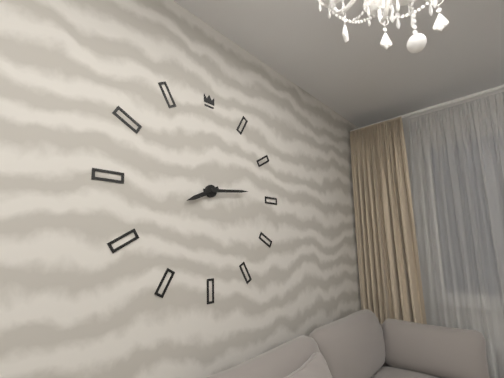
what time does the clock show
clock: 8:14
